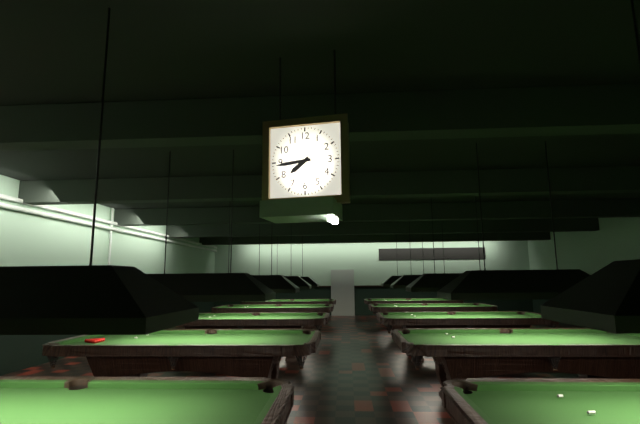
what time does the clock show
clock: 7:44
